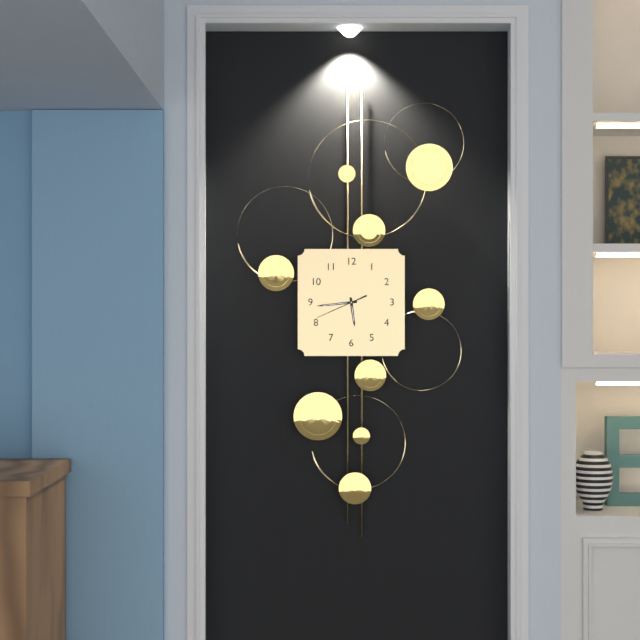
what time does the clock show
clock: 5:44
